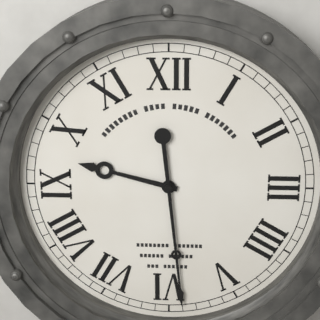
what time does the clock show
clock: 9:29
